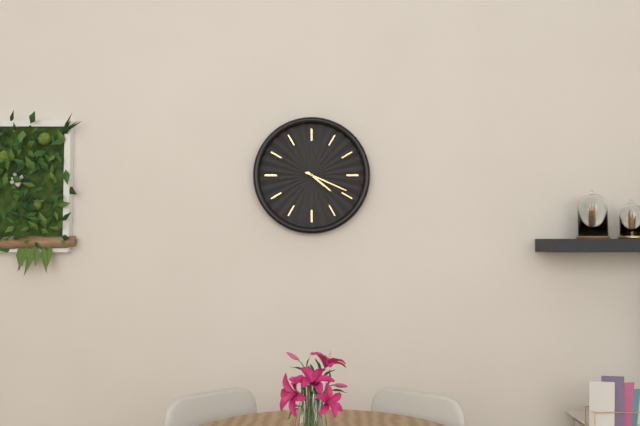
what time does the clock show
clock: 4:19
